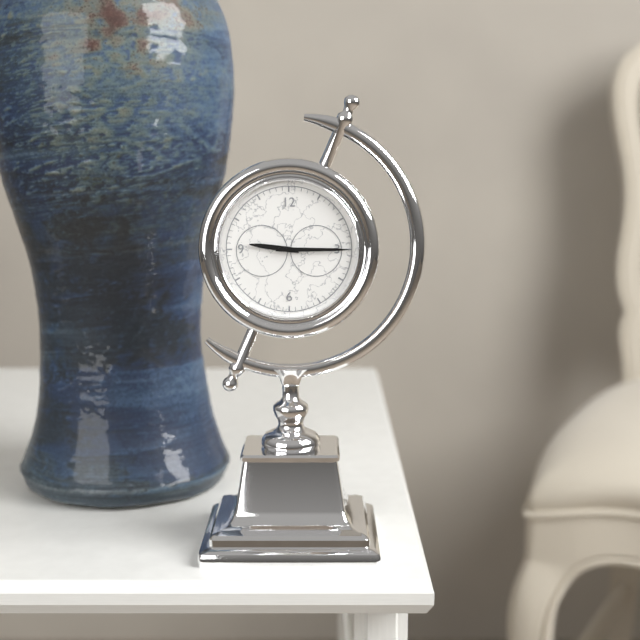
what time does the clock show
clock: 9:15
